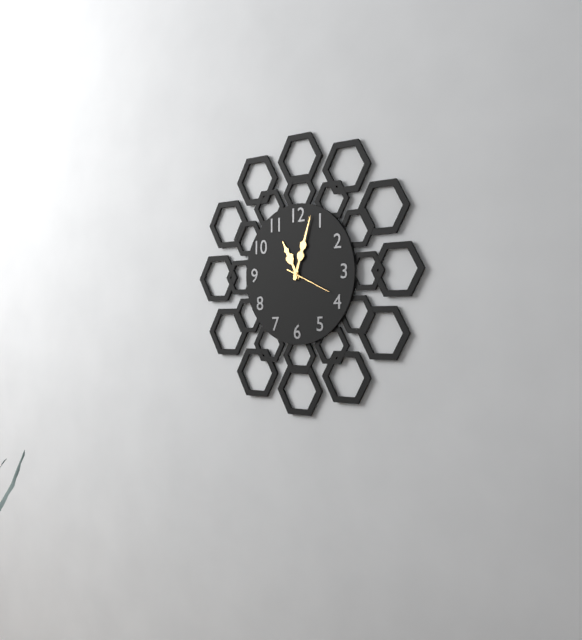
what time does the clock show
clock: 11:03
